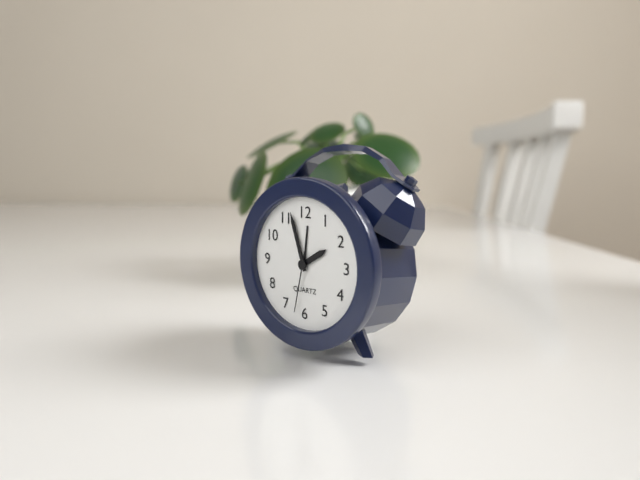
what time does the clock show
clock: 1:57:32
